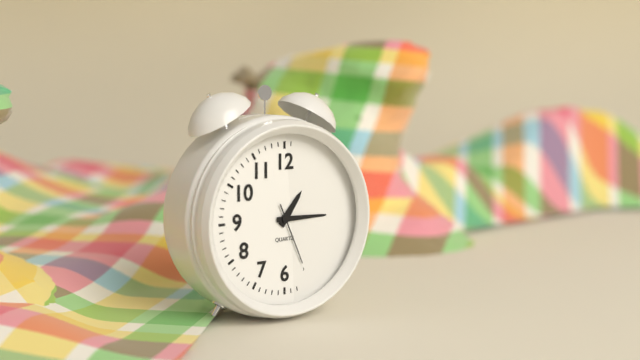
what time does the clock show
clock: 1:15:26
